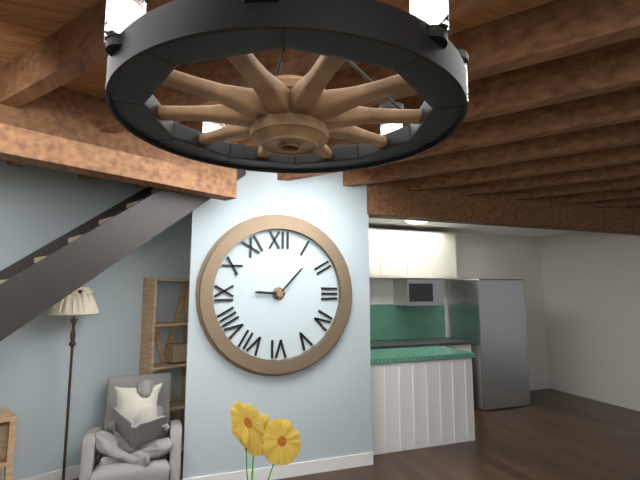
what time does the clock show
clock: 9:07
